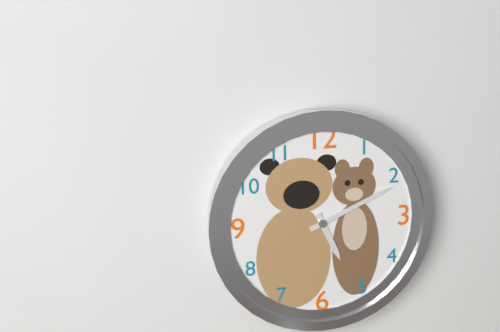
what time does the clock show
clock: 5:11
